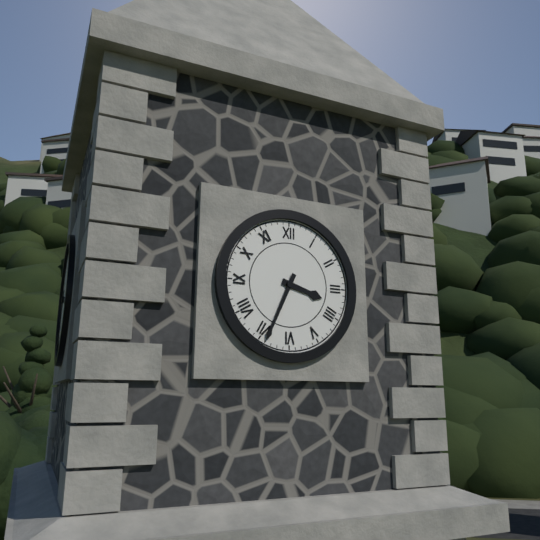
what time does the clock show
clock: 3:34
